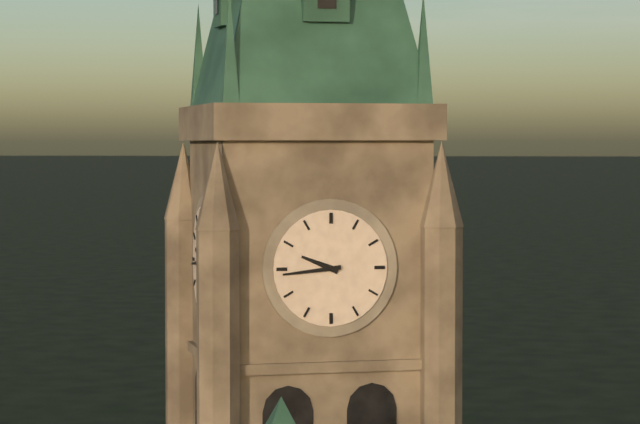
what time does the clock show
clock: 9:44
